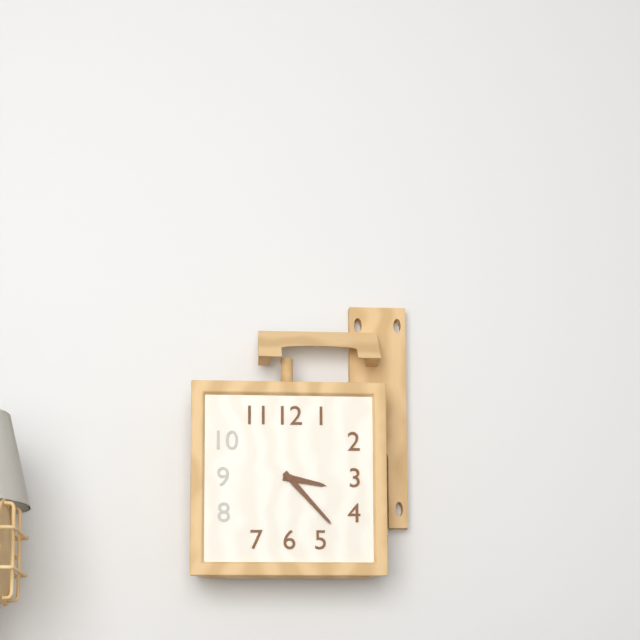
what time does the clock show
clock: 3:23
